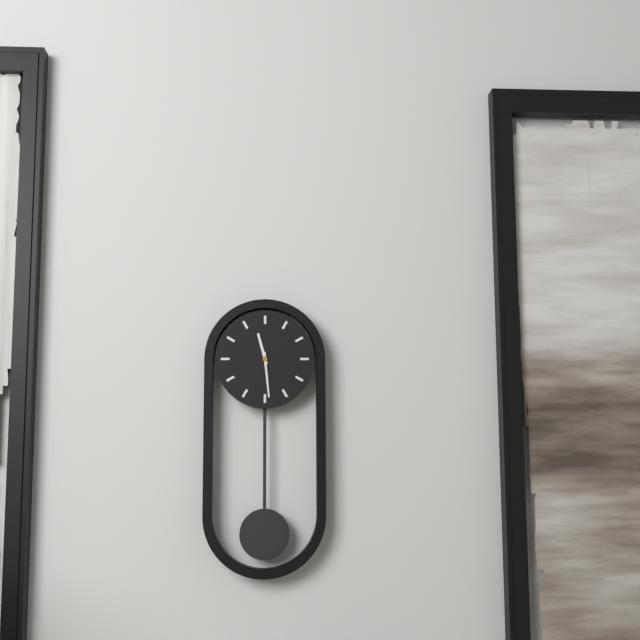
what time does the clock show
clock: 11:29
